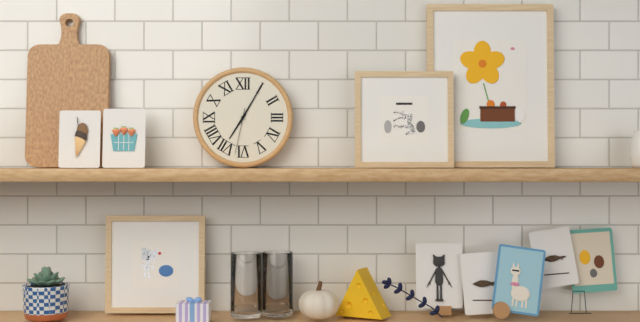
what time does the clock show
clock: 7:05
